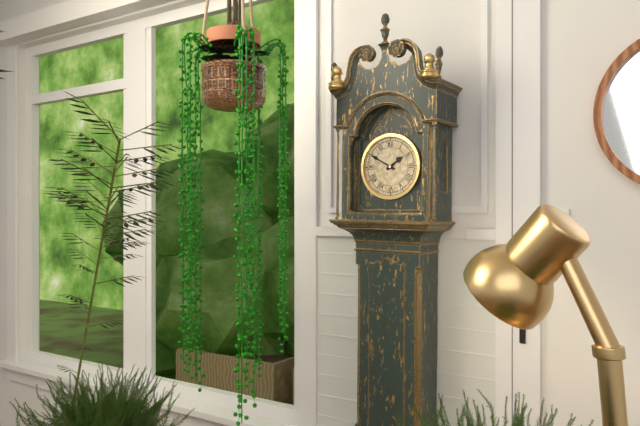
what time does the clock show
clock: 1:50
